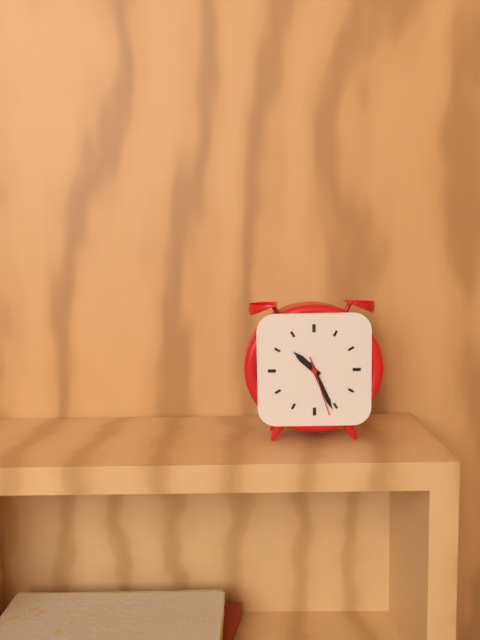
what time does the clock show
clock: 10:26:27
